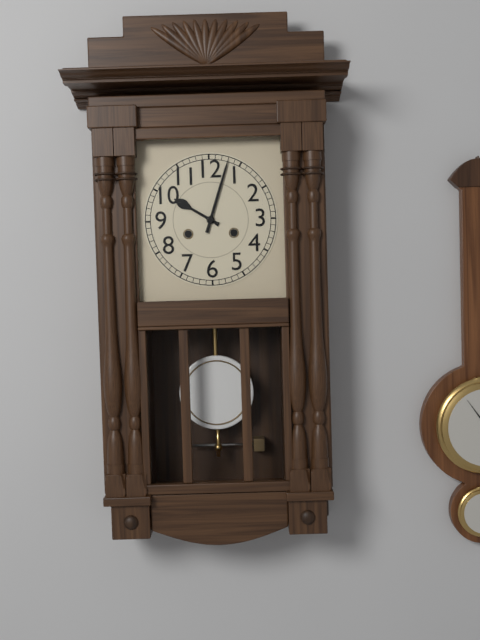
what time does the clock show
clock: 10:03
